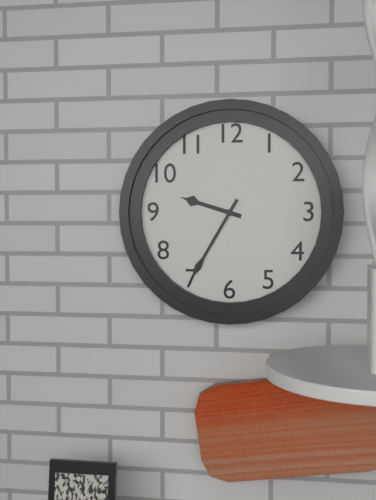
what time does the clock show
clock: 9:35
